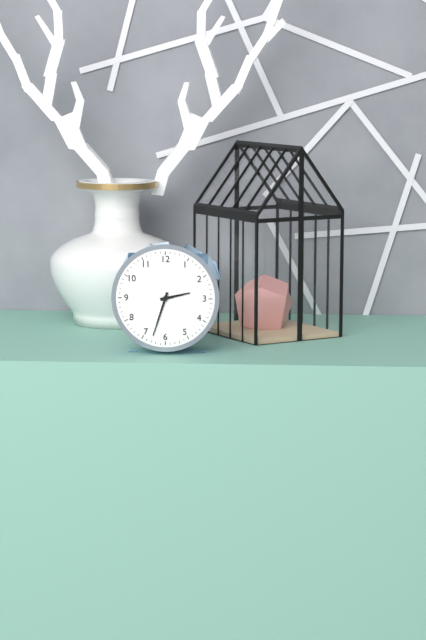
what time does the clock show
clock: 2:33
